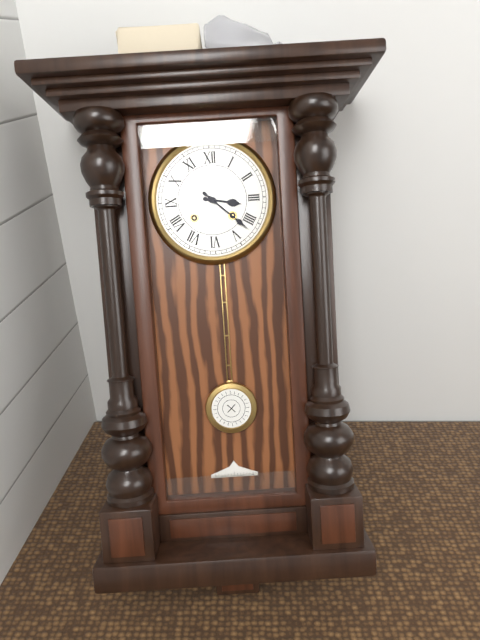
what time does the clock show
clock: 3:22
